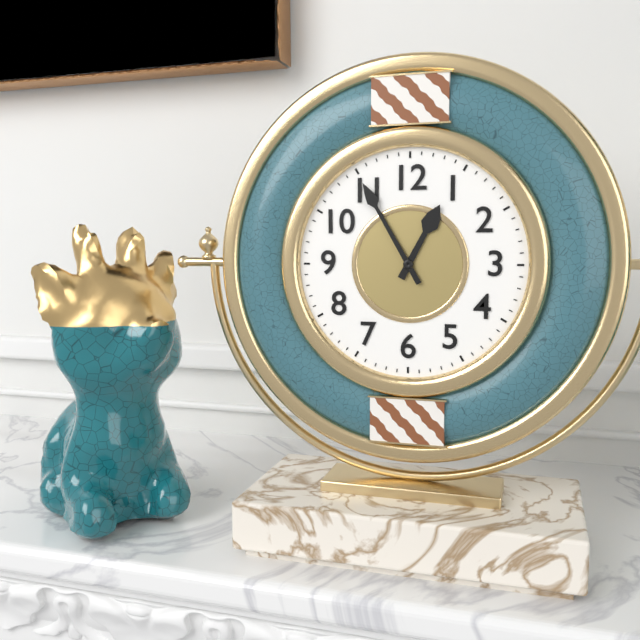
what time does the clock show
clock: 12:55
